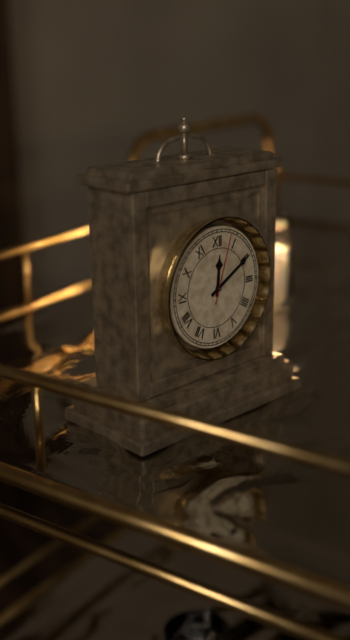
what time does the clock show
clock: 12:10:03
